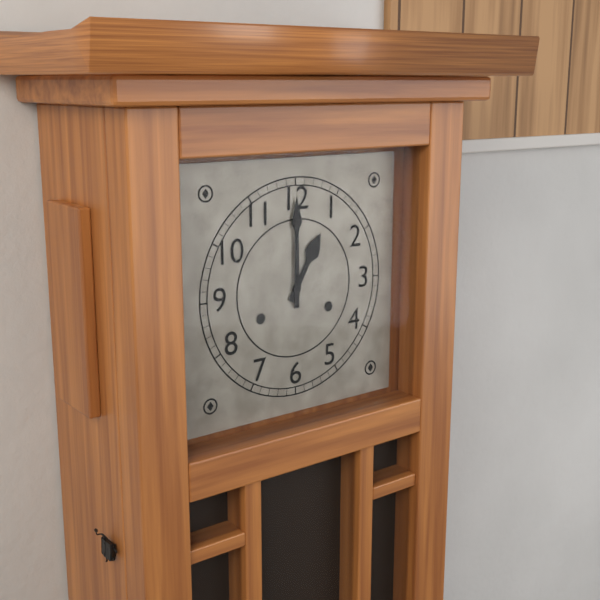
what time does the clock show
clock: 1:00
